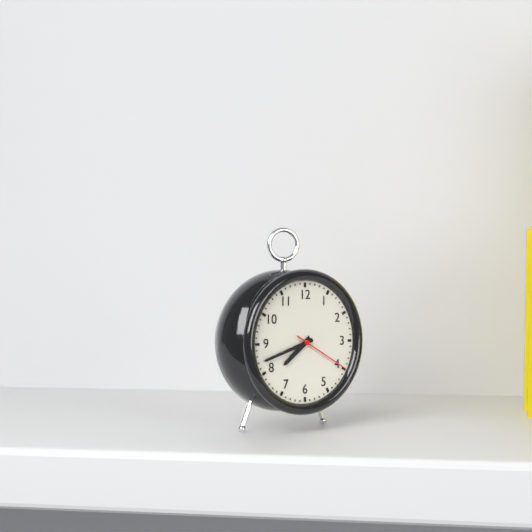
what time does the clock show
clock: 7:42:20
